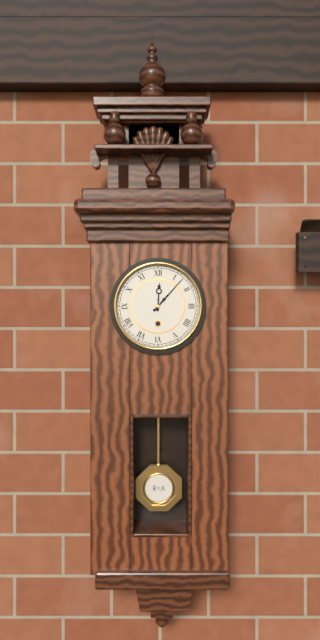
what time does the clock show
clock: 12:07
